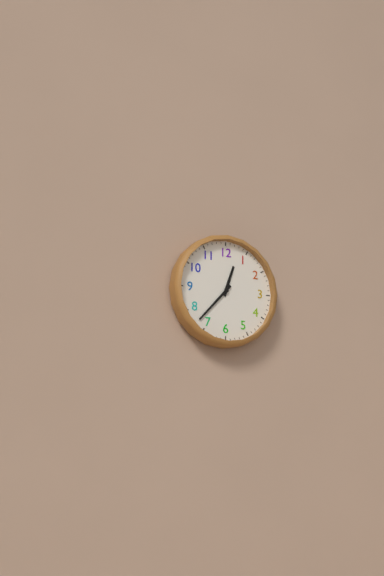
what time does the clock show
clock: 12:37
